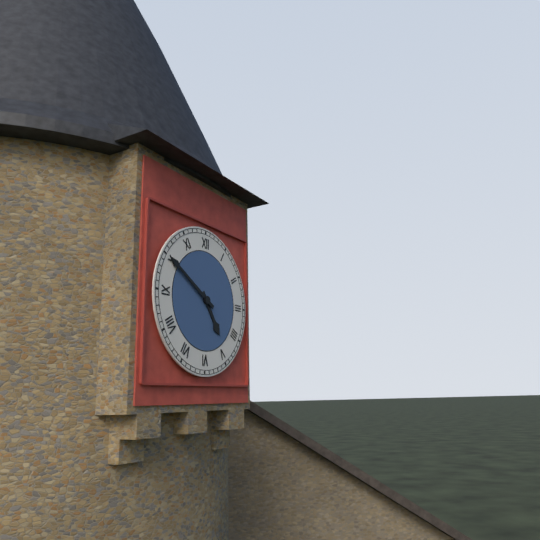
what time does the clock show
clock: 4:50
